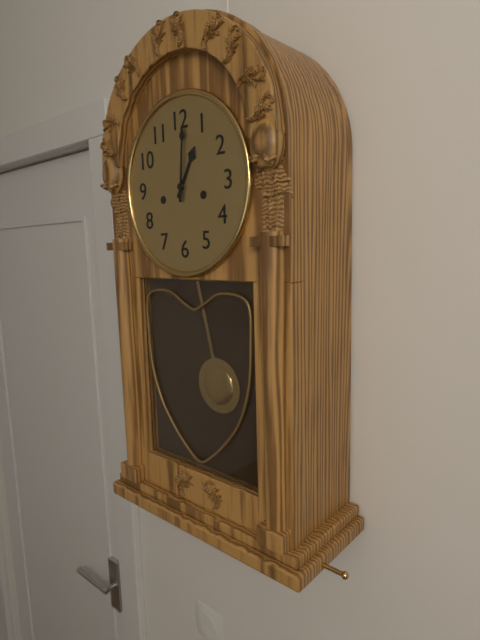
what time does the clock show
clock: 1:01
